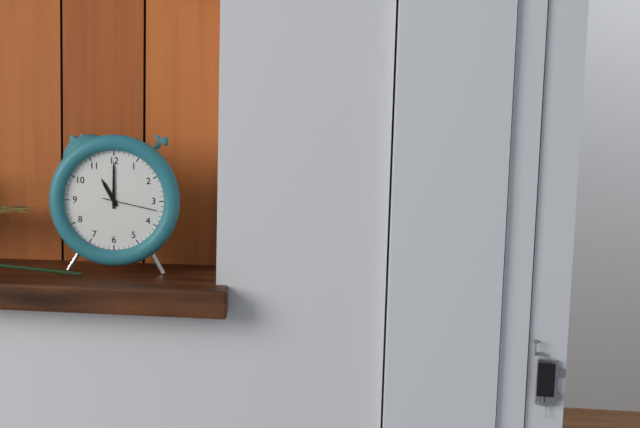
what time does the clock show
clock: 11:00:17
